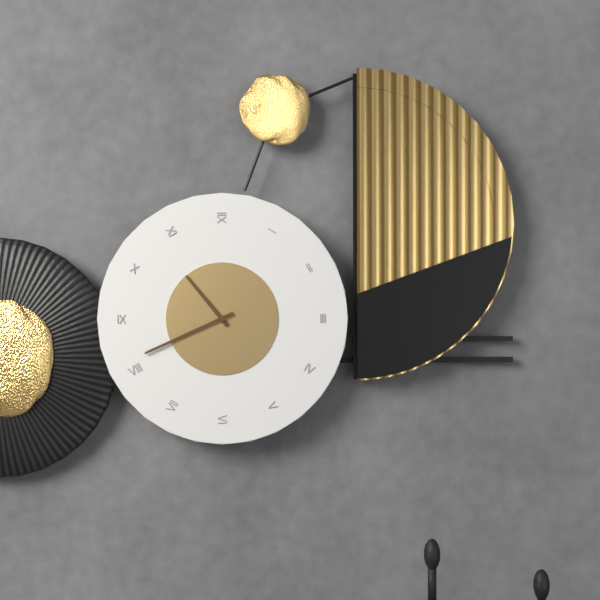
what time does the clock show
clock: 10:41
